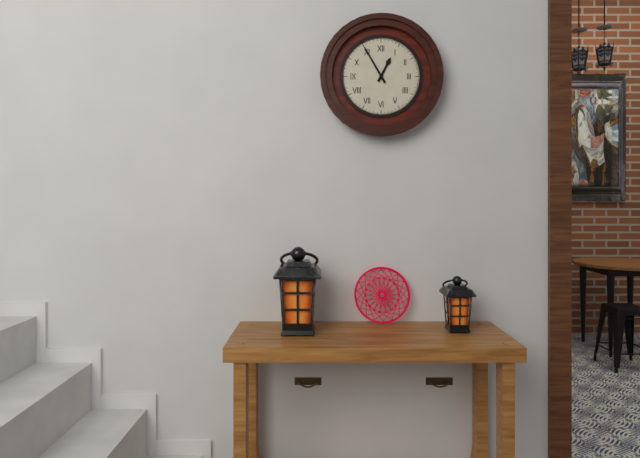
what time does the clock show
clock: 12:55
